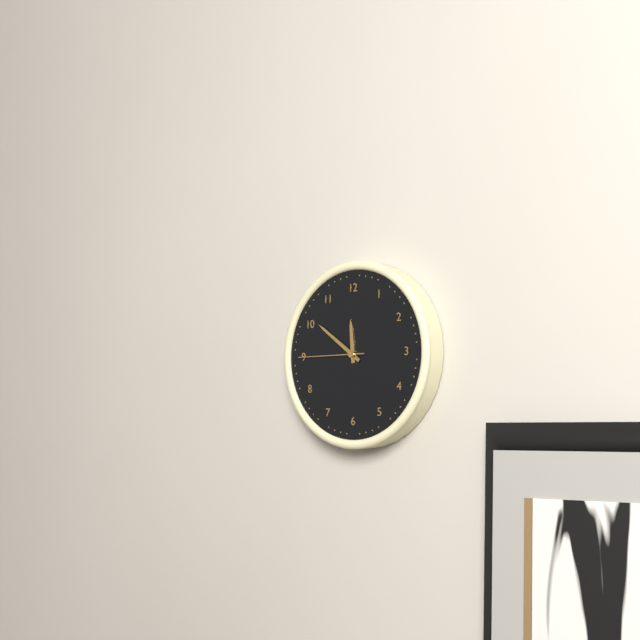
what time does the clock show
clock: 11:51:45
